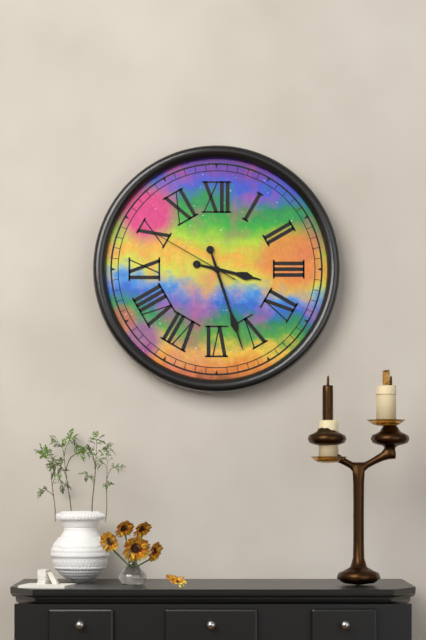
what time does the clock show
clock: 3:27:50
